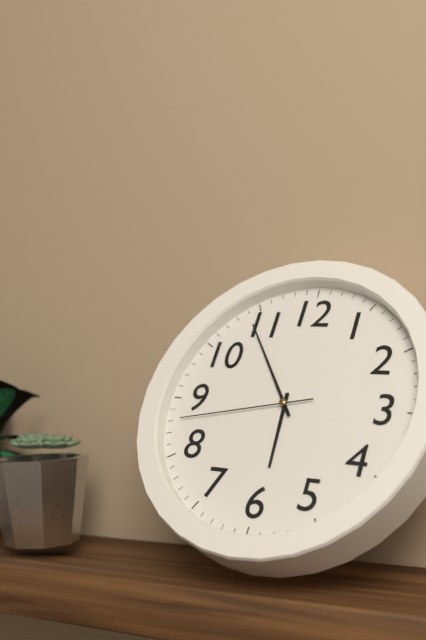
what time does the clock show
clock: 5:54:43
